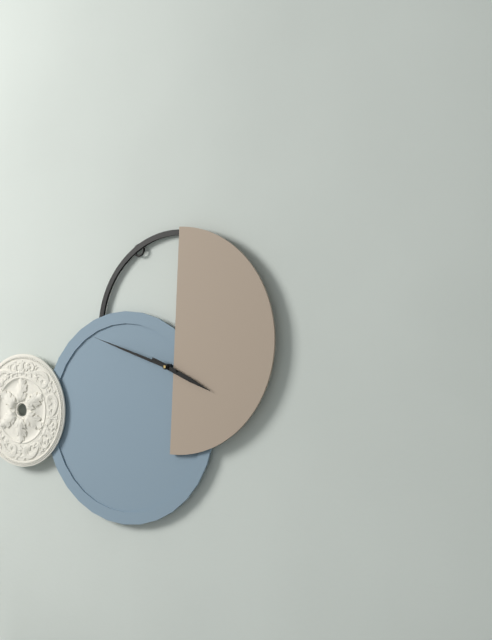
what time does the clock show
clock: 3:48
